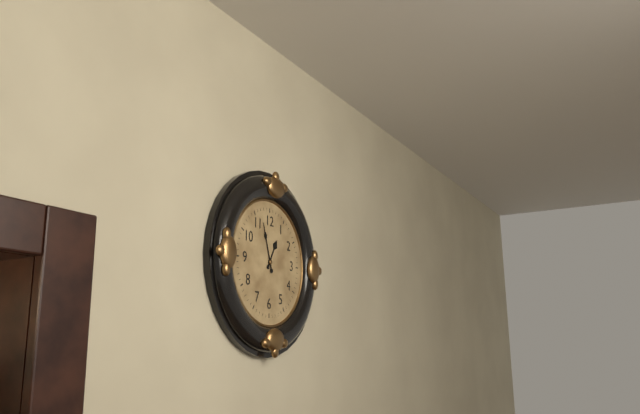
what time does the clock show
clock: 12:57
